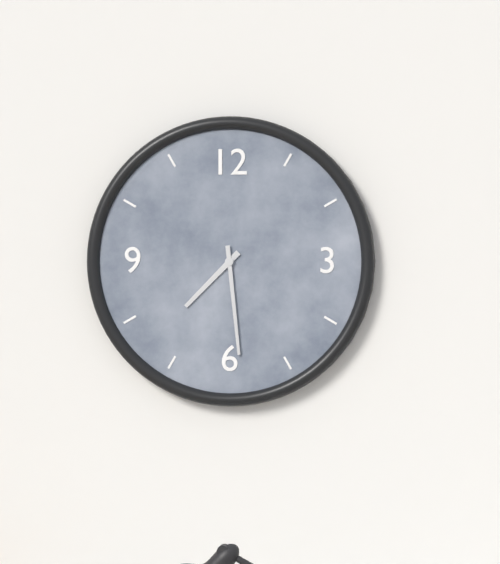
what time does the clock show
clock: 7:29
